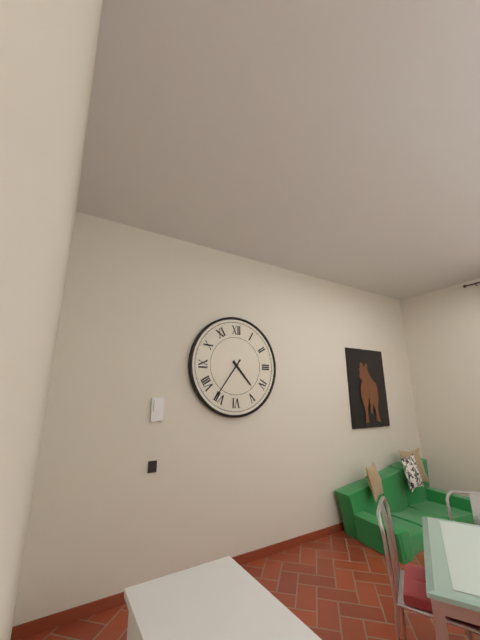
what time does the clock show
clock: 4:36
